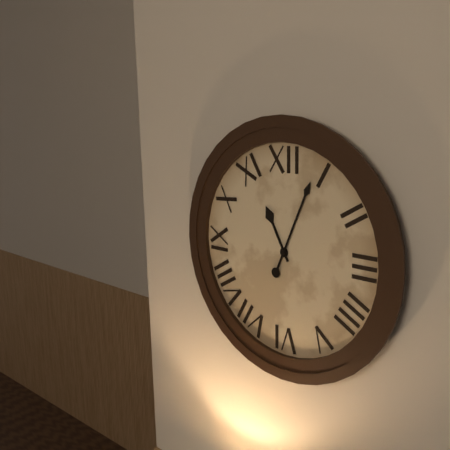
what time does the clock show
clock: 11:04
